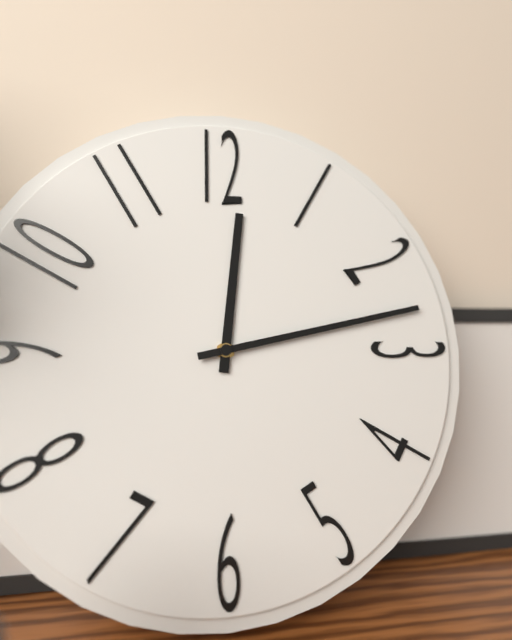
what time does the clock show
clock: 12:13
